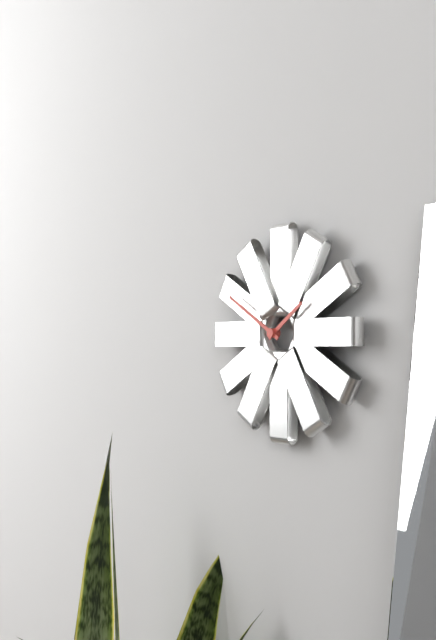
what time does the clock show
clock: 1:50
